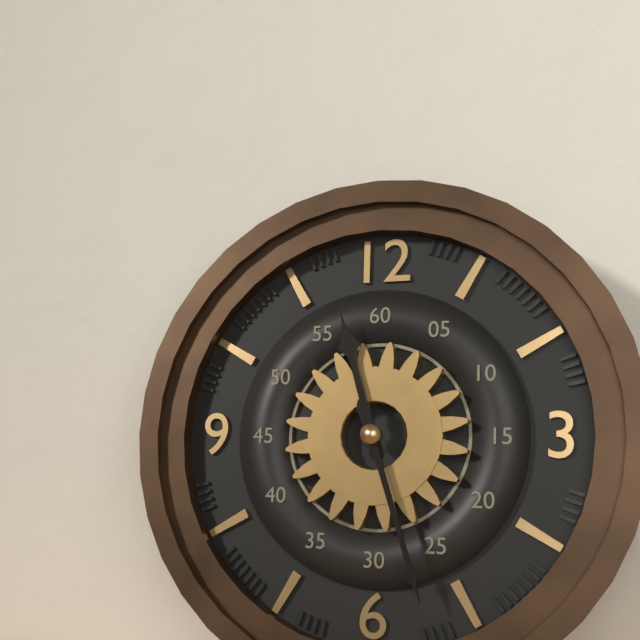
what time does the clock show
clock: 11:27
